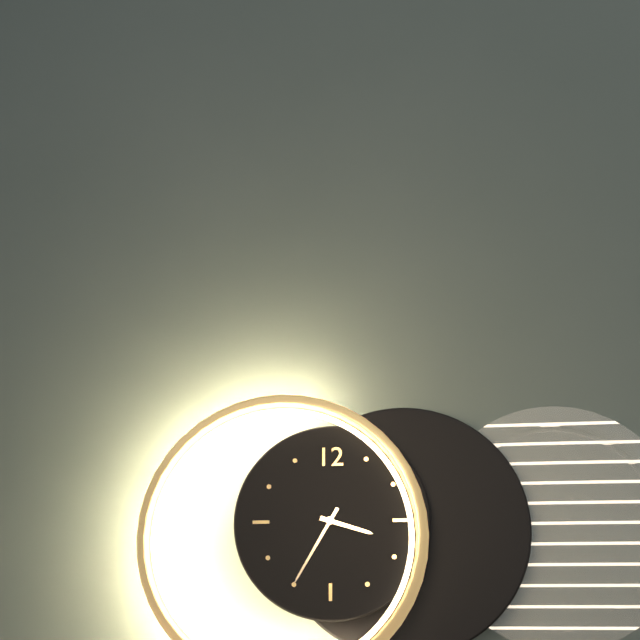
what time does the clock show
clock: 3:35
